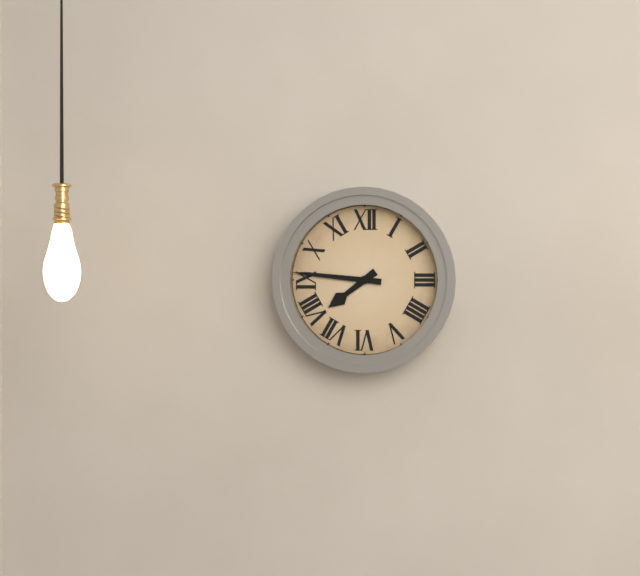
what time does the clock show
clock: 7:46
